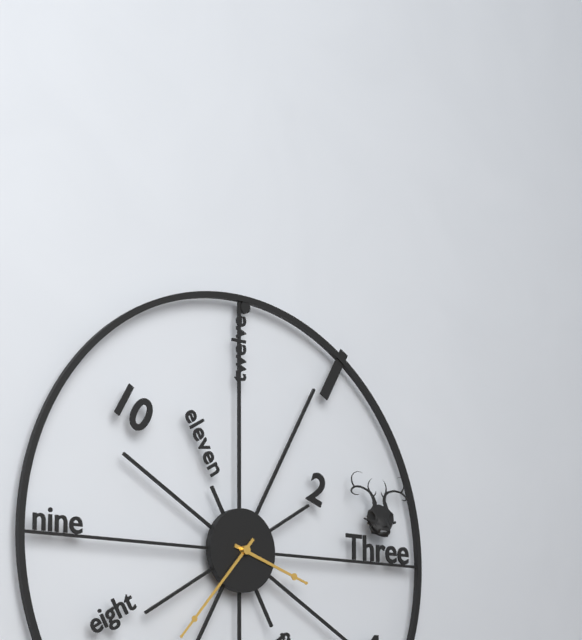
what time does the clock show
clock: 3:37
